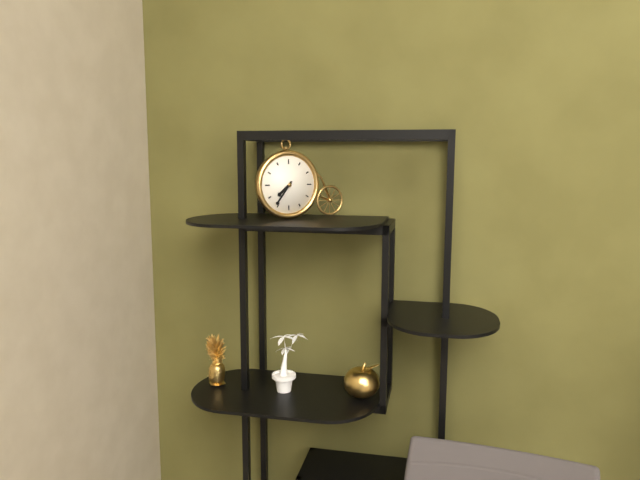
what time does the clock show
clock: 7:36
